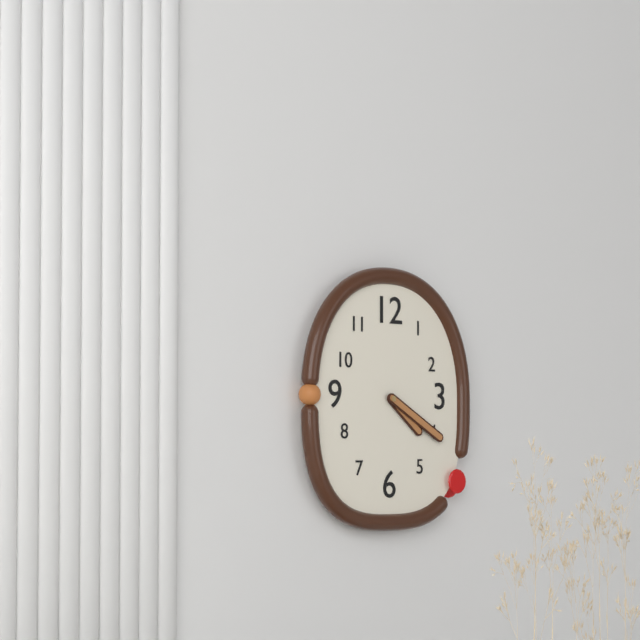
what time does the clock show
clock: 4:20
